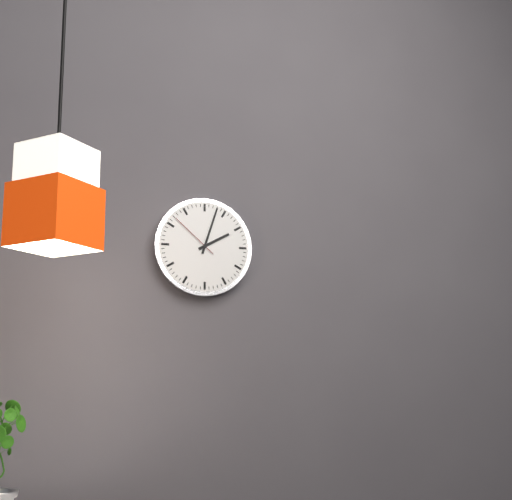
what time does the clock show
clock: 2:03:52
